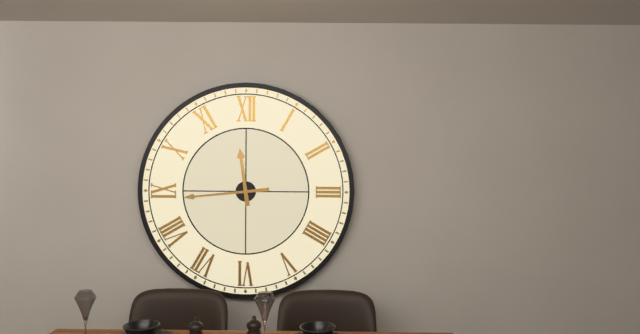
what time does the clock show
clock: 11:44
